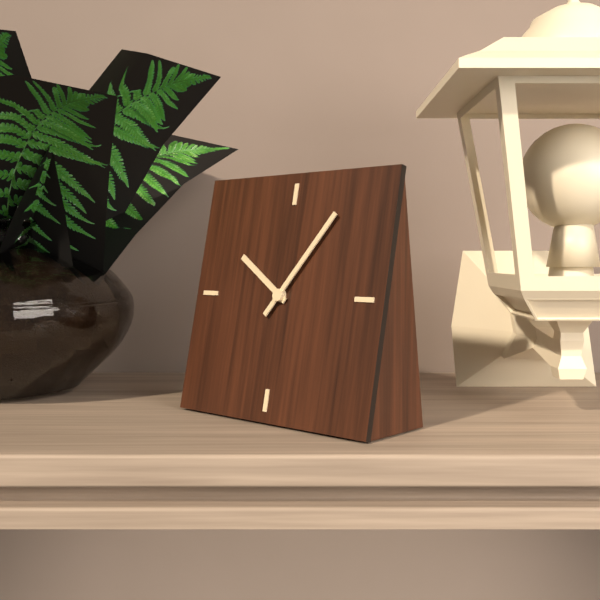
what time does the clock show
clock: 10:06
